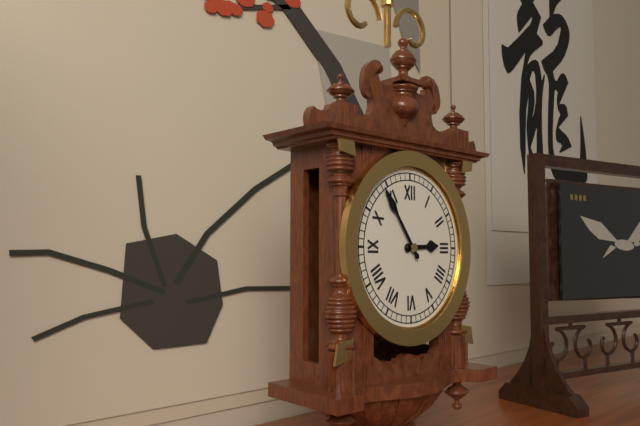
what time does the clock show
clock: 2:54
